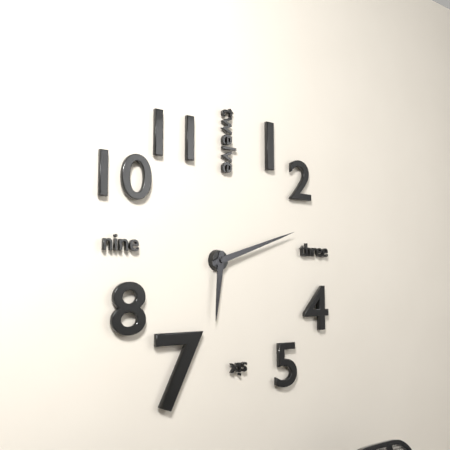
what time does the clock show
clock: 6:12
